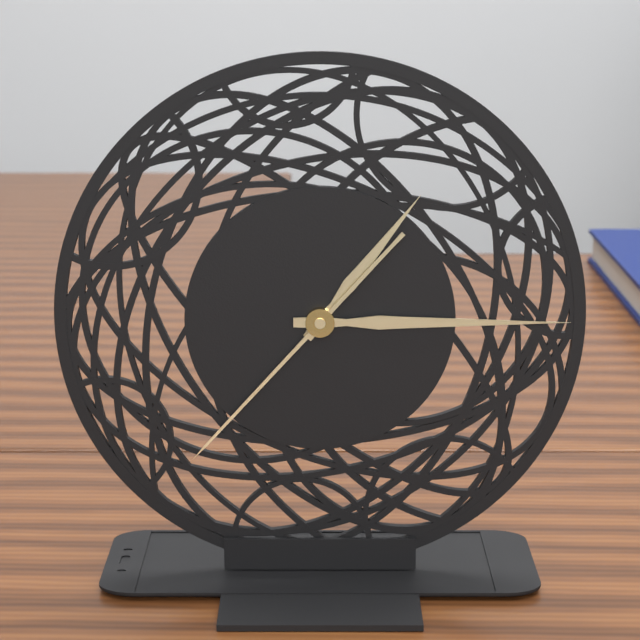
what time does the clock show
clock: 1:15:37
